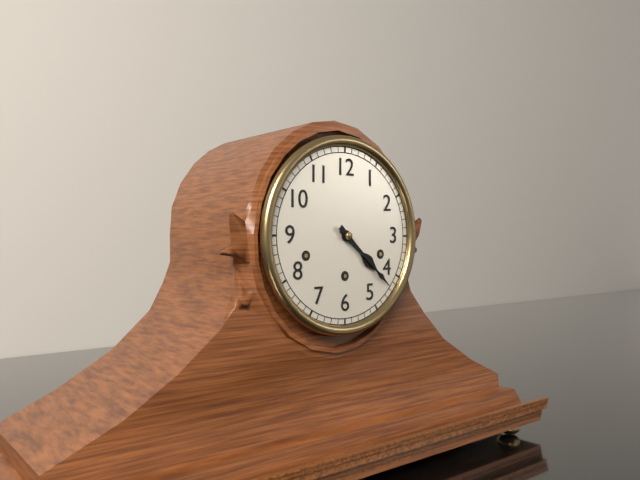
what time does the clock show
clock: 4:22
